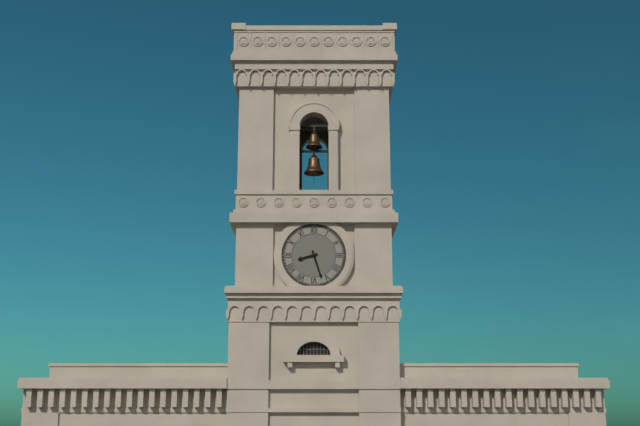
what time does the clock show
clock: 8:27
